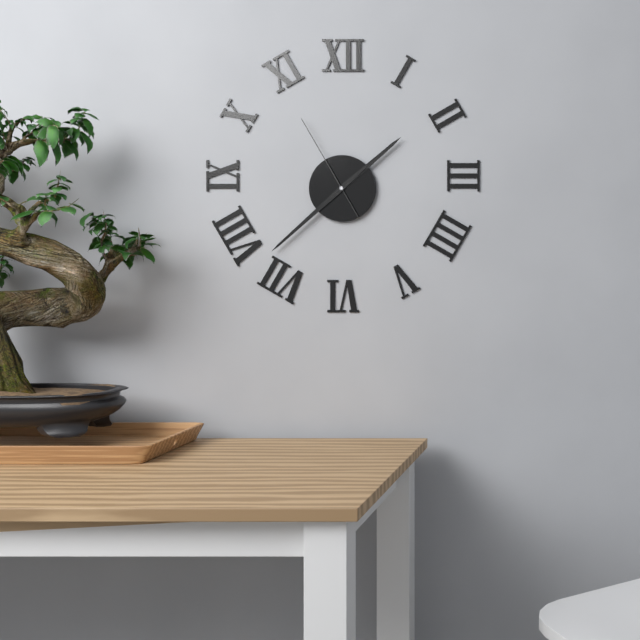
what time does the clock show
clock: 1:38:55
